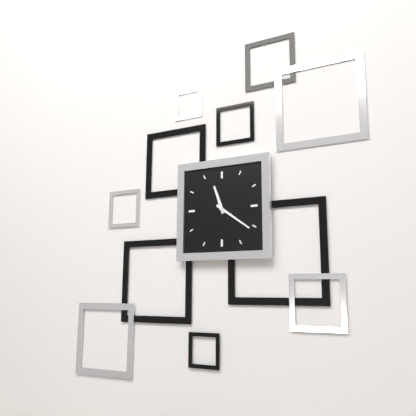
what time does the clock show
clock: 11:21
